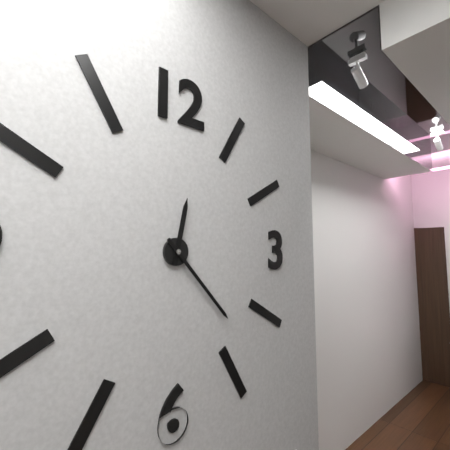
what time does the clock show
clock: 12:23
